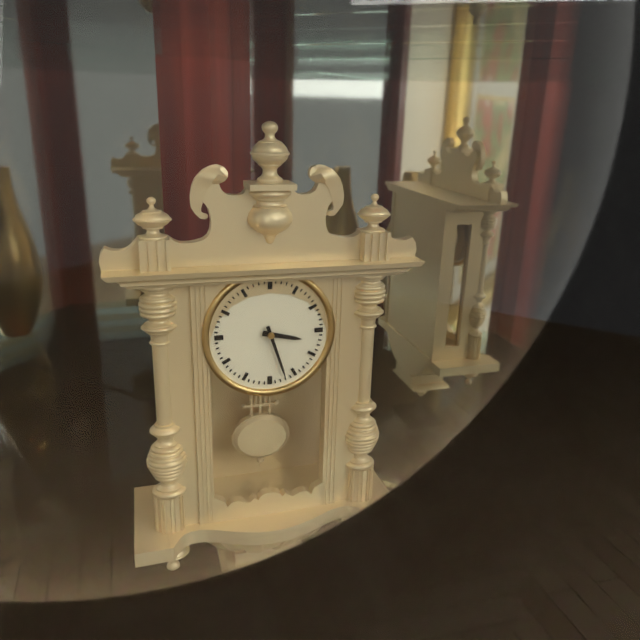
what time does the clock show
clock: 3:27
